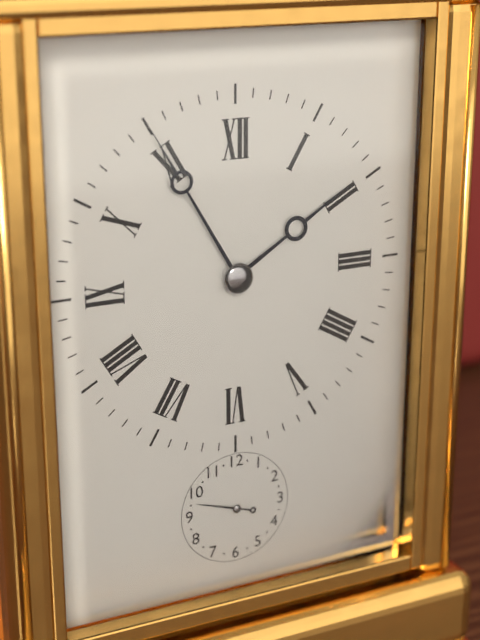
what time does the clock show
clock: 1:55
